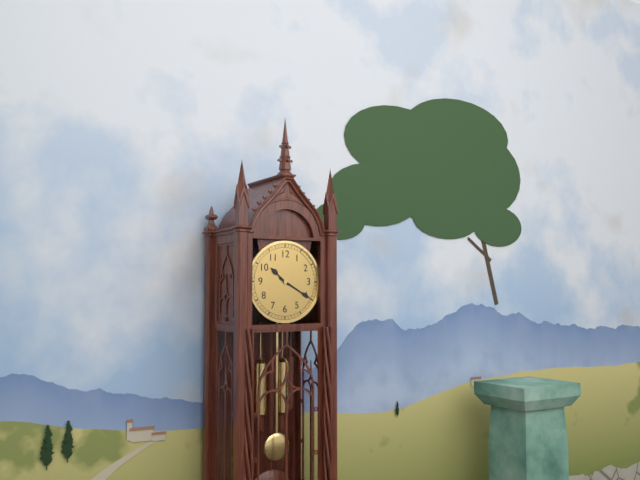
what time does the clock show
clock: 10:20
